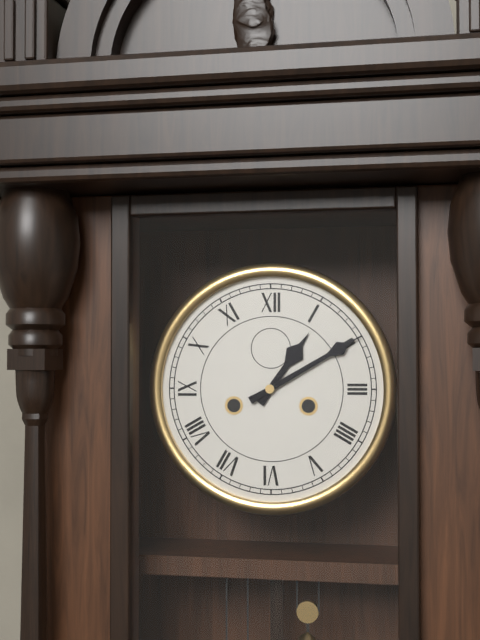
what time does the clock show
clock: 1:10
